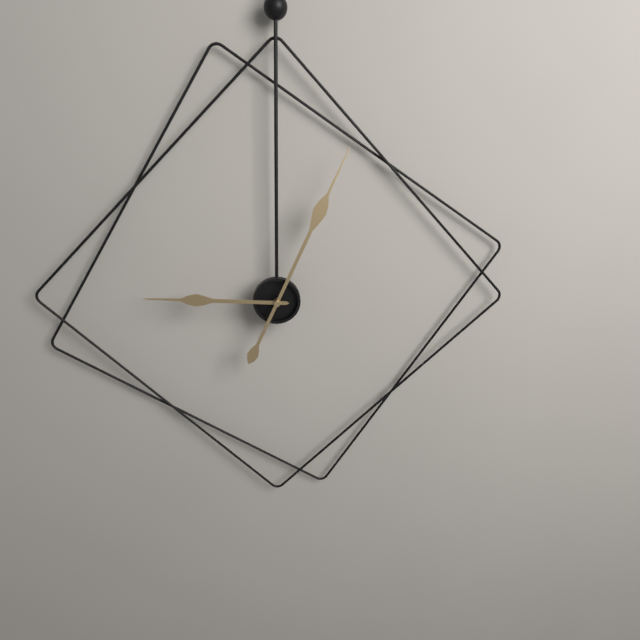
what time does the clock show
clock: 9:04
